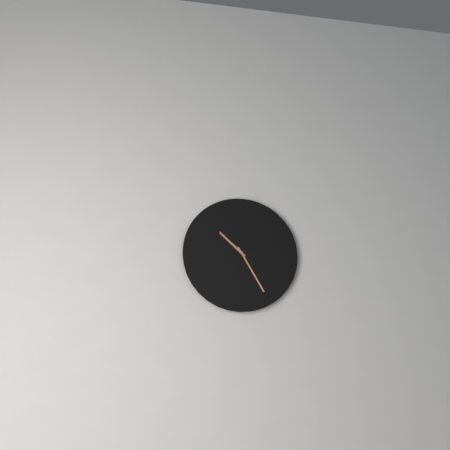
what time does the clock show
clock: 10:25
